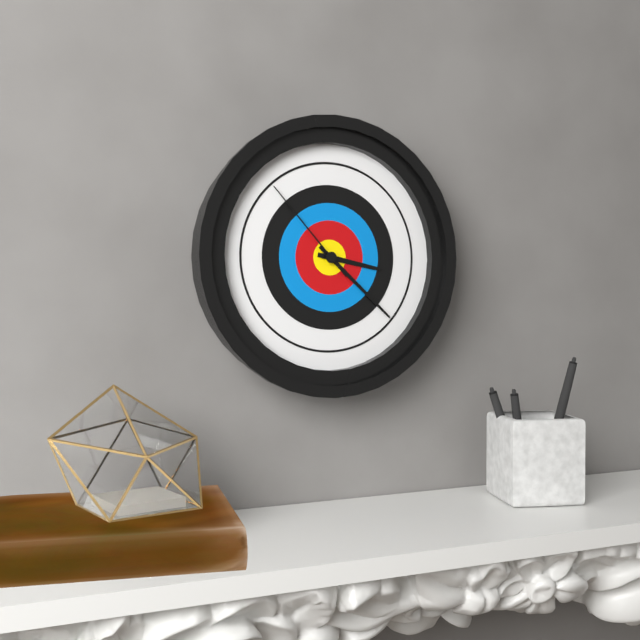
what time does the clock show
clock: 3:22:53
